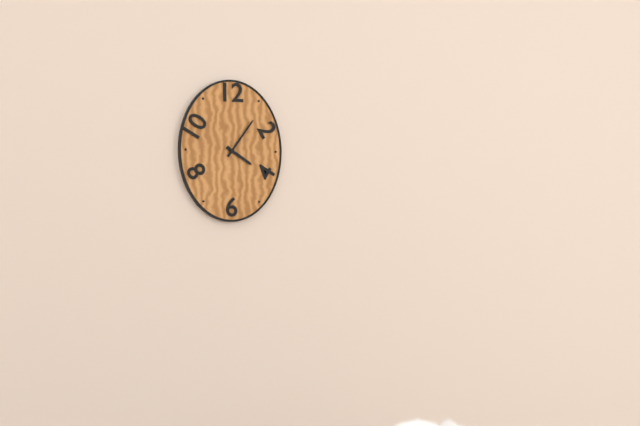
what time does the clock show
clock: 4:06
